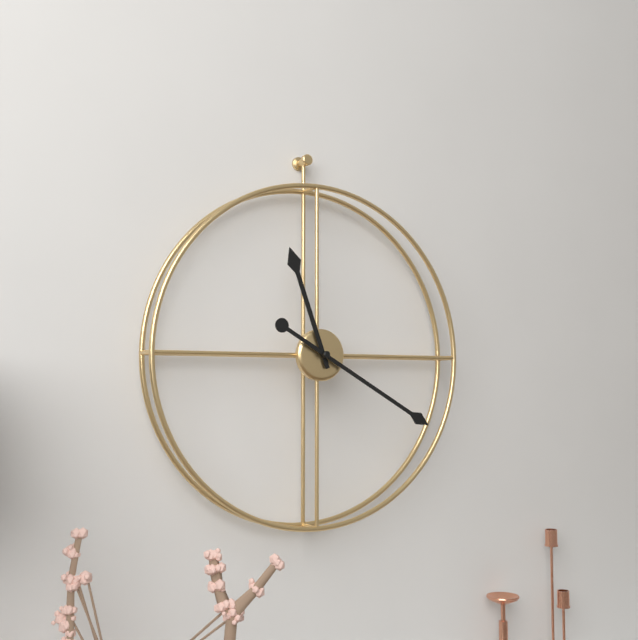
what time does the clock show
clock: 11:20
